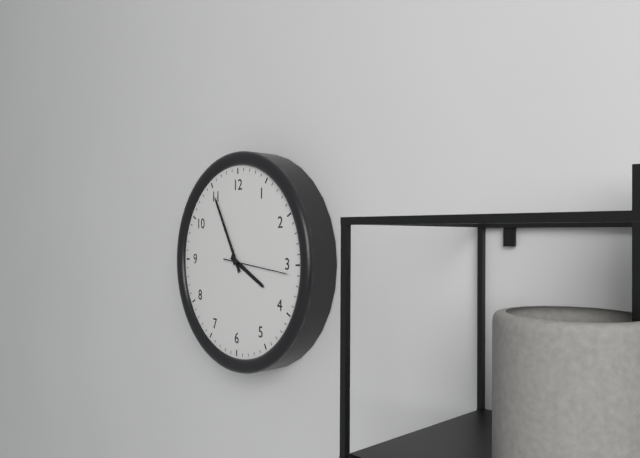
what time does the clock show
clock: 3:55:16
